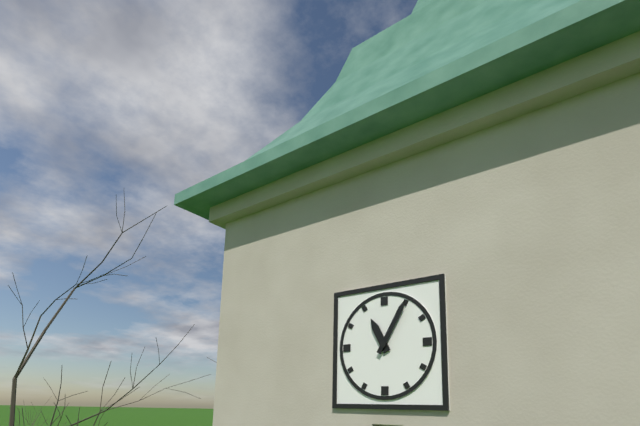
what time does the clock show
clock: 11:05
